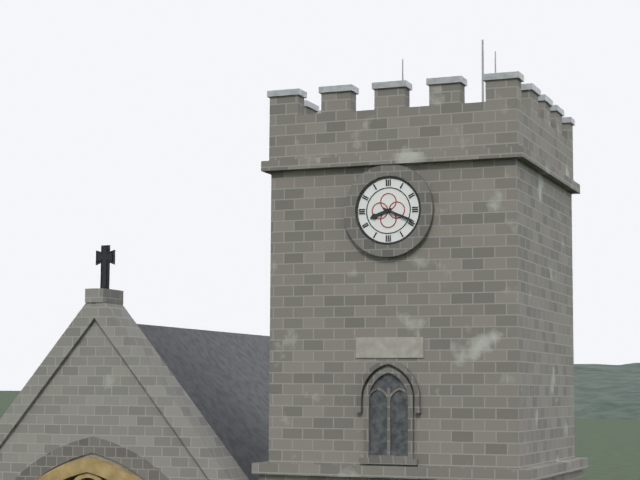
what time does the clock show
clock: 8:19
